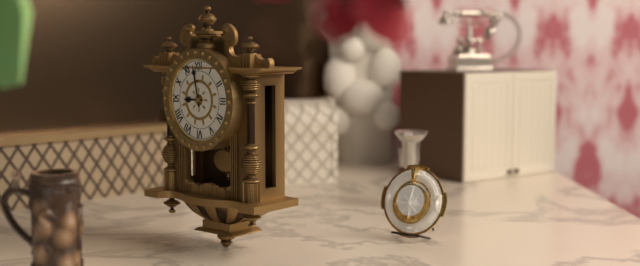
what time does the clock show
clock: 8:58
